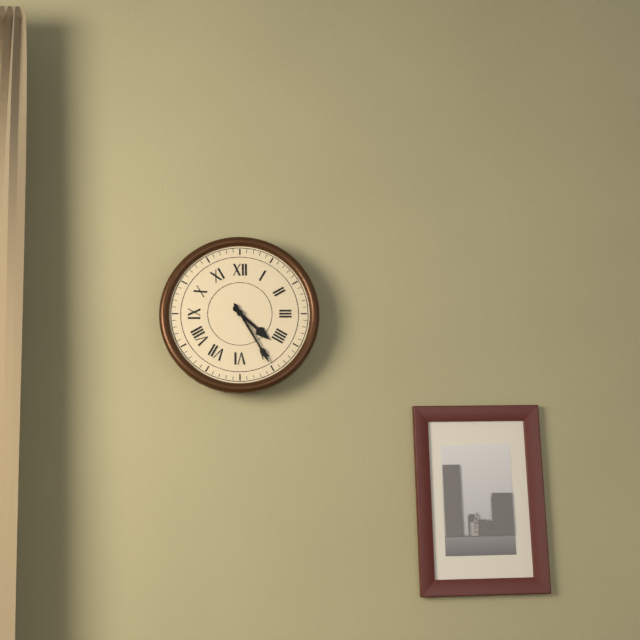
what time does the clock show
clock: 4:25
